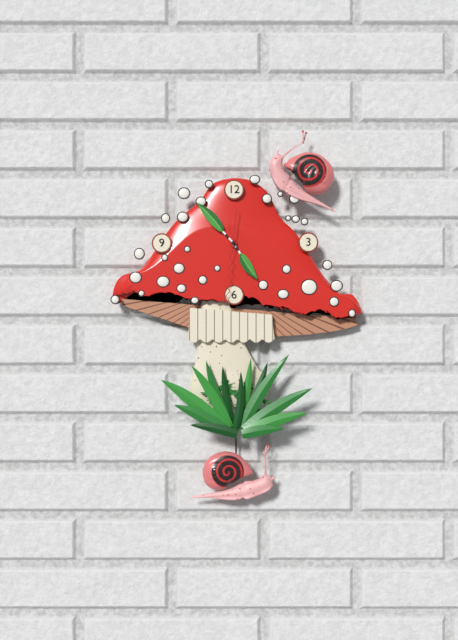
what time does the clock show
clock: 4:53:31
